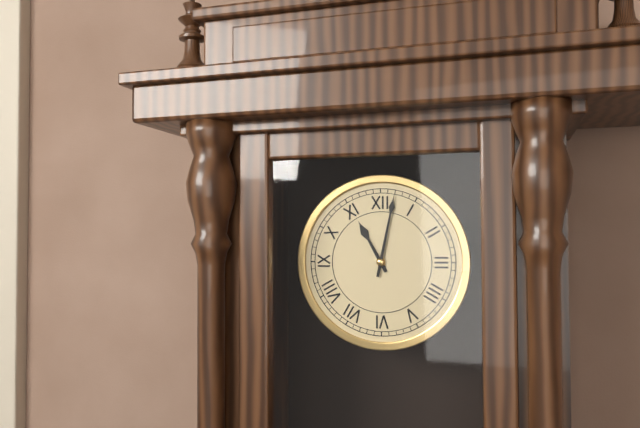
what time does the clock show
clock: 11:02
